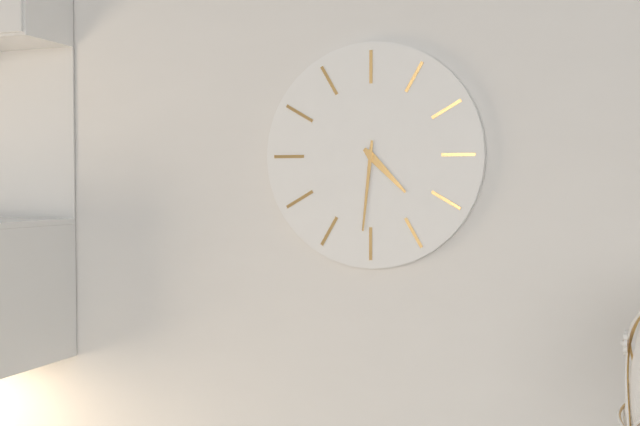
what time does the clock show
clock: 4:31
